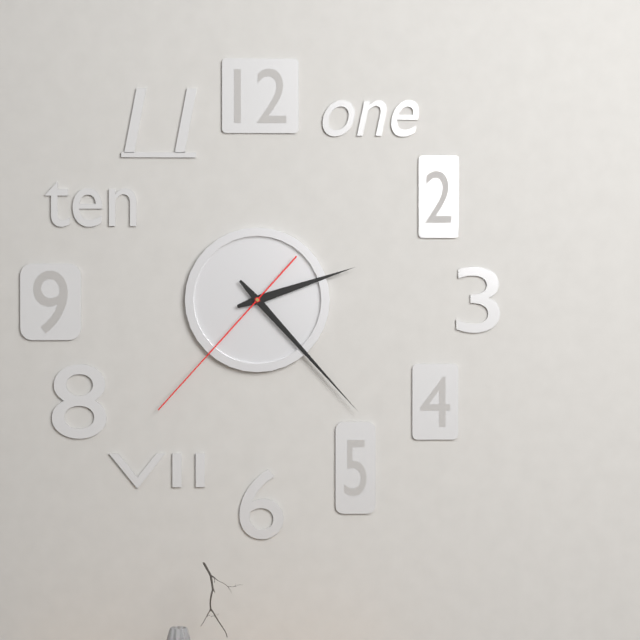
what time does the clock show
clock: 2:23:37
